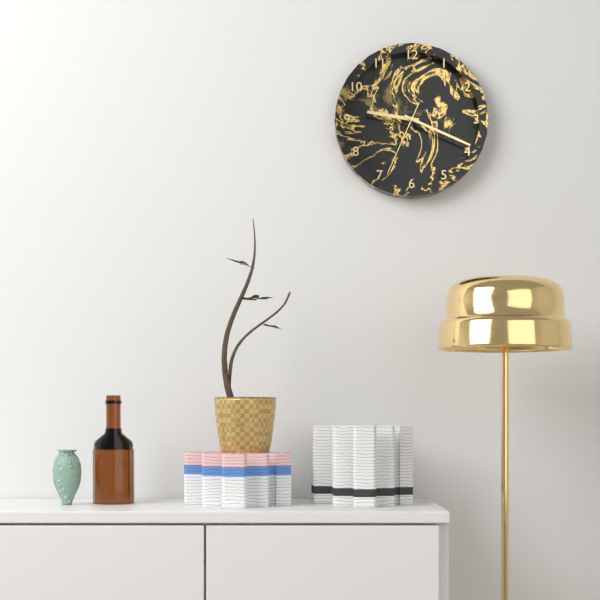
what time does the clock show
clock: 9:19:34
